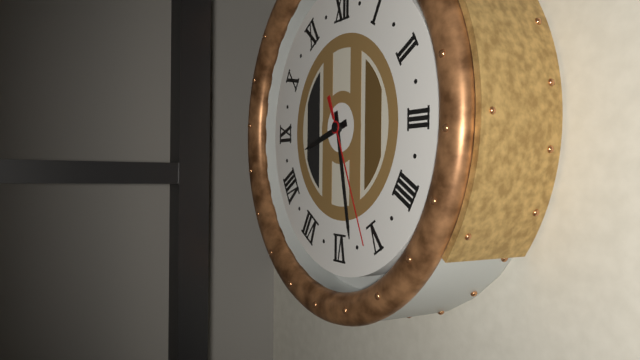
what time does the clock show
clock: 8:28:26
